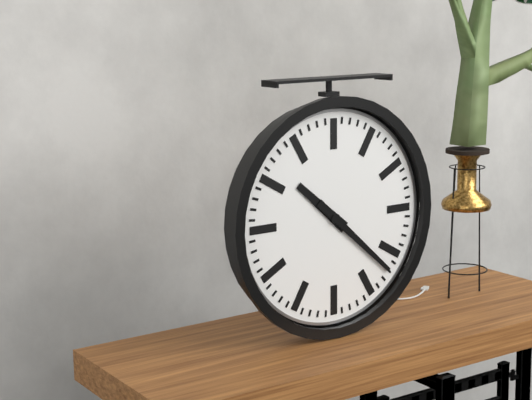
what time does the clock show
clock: 10:22
